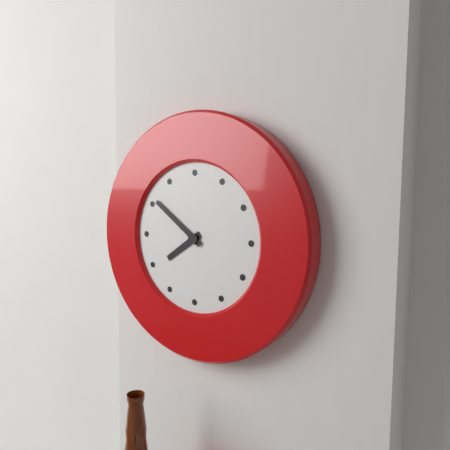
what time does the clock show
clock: 7:51
